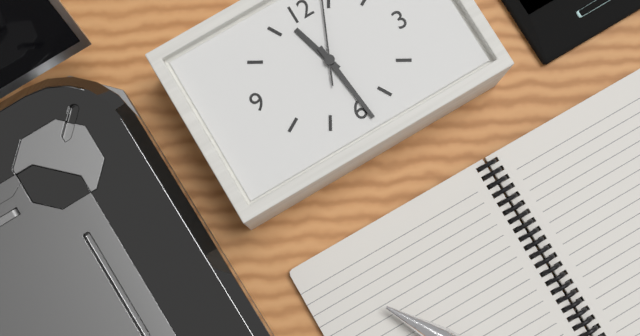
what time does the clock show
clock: 11:29
